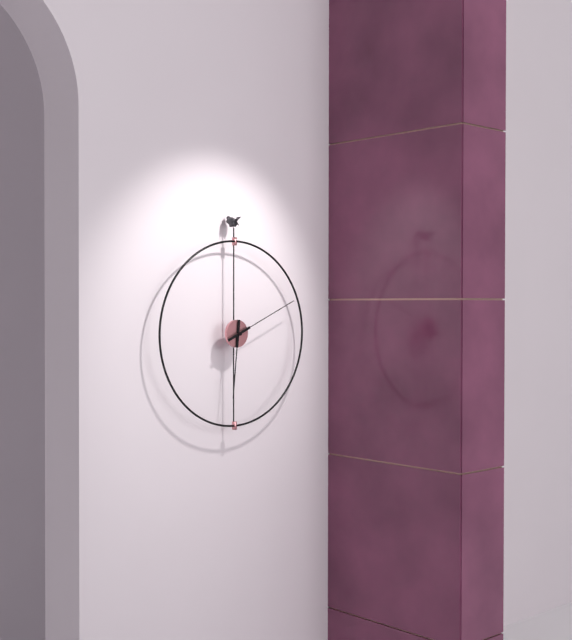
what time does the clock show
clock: 6:11
